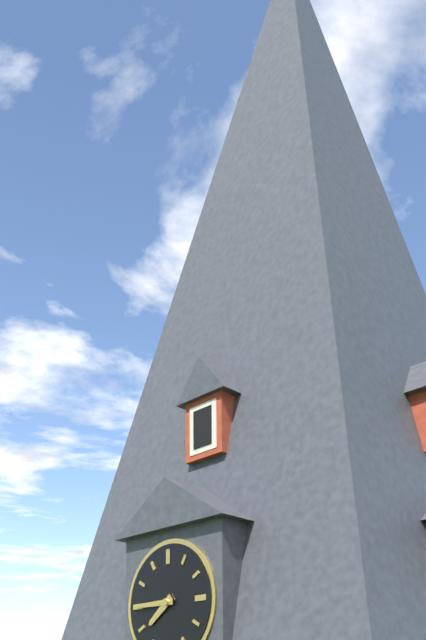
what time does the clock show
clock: 7:45
